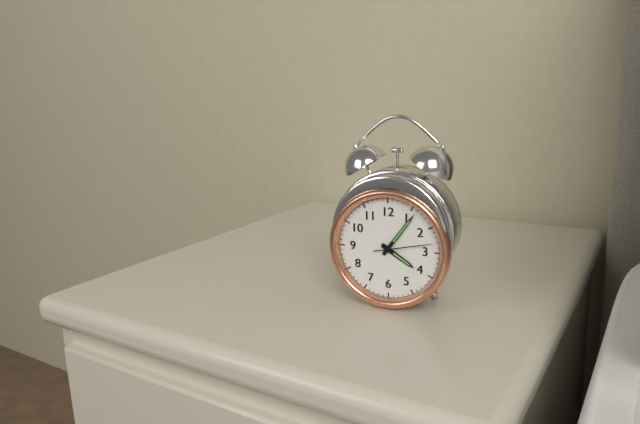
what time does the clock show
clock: 4:06:13
